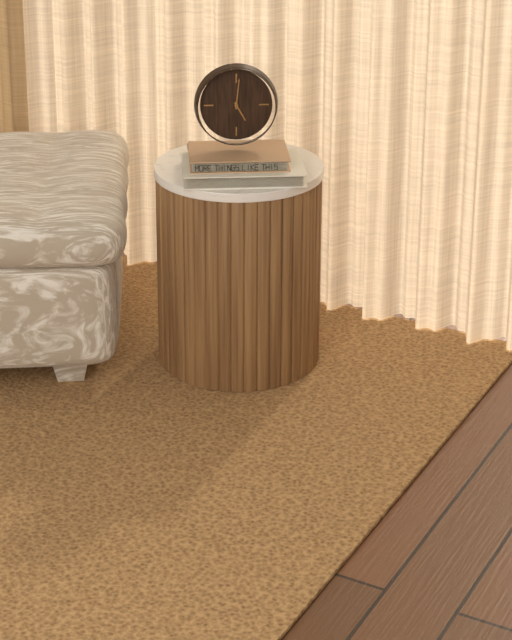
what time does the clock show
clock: 5:01
